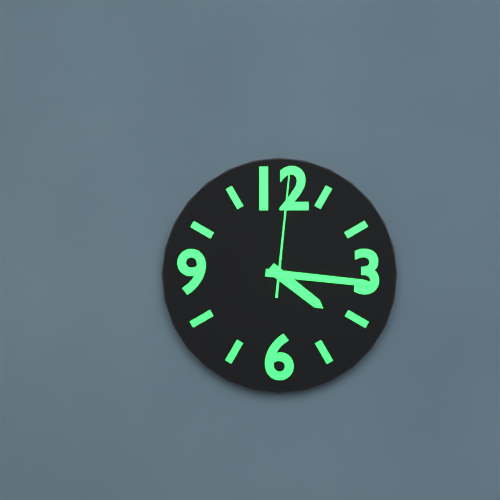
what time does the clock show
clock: 4:16:01
